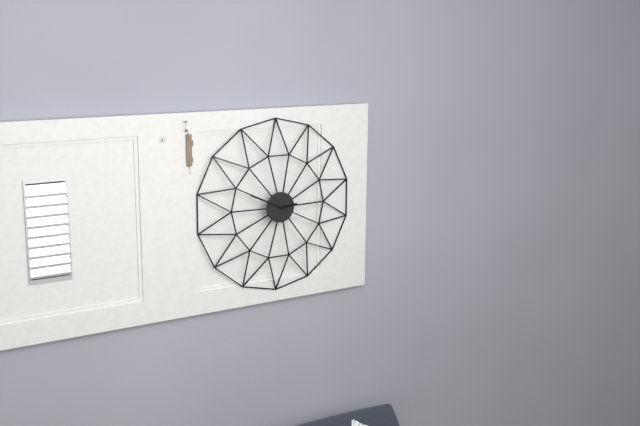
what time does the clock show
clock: 2:49
